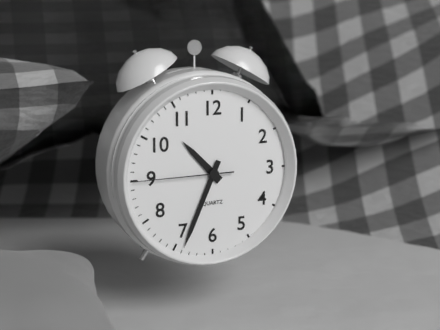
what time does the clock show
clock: 10:34:45
